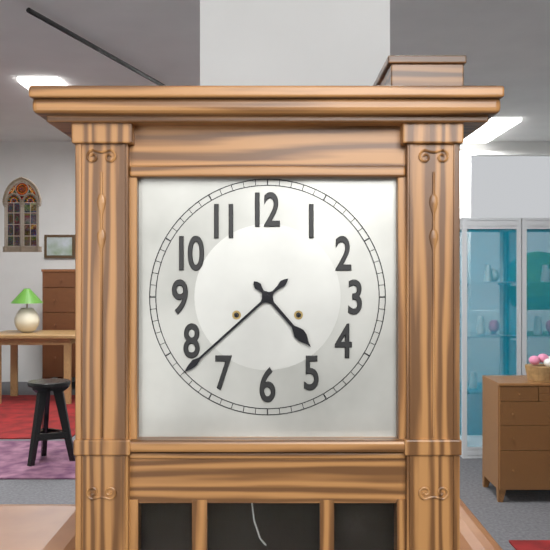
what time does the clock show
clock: 4:38
